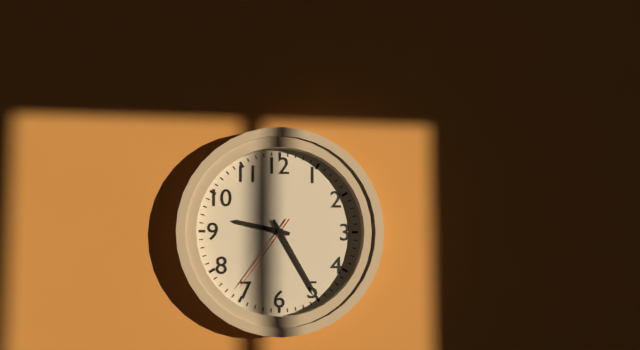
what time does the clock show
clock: 9:25:36
